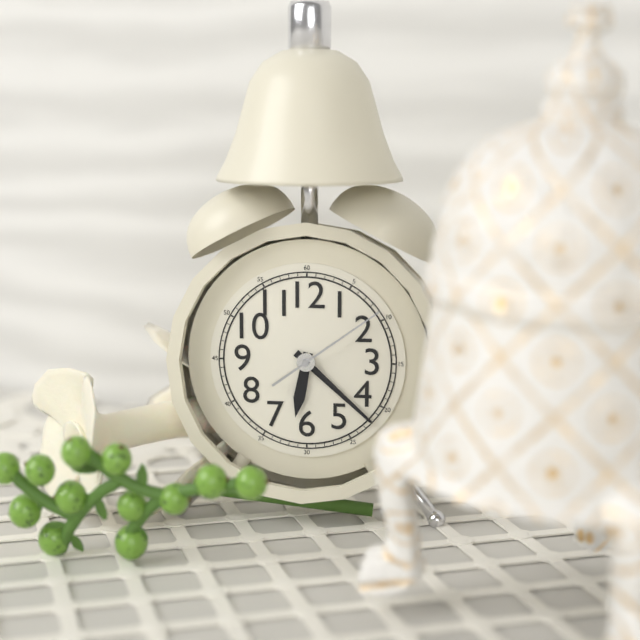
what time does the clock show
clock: 6:22:09
